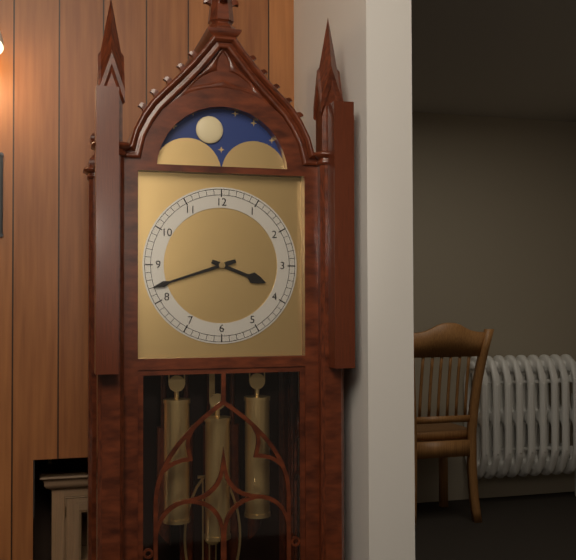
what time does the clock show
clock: 3:42
